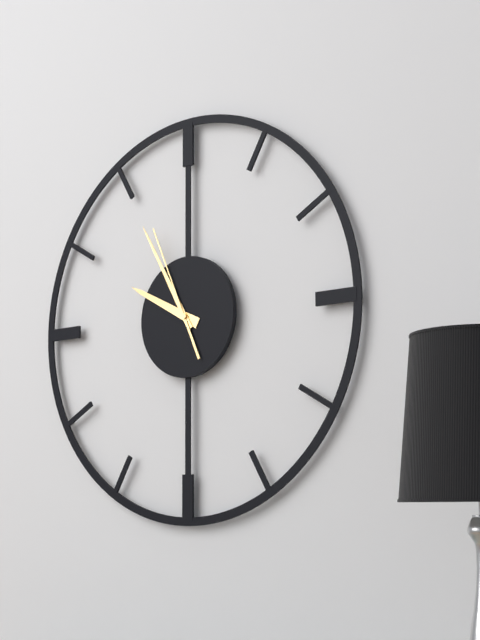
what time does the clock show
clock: 9:55:56
